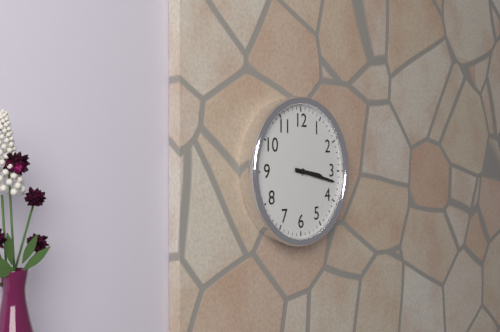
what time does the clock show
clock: 3:17
